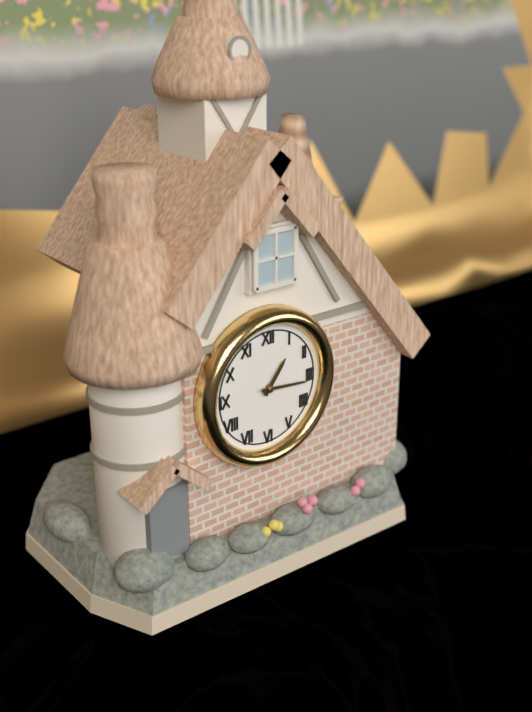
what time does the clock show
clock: 1:16
